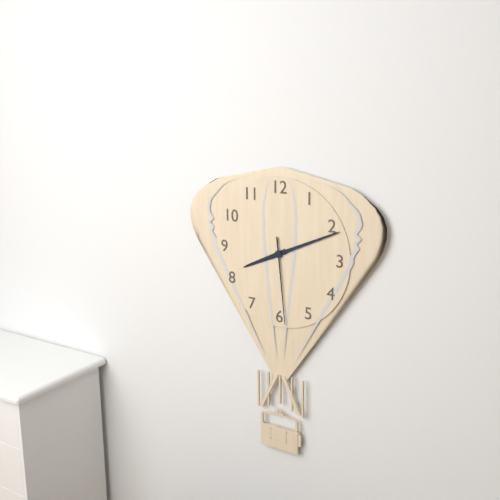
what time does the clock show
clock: 8:11:29
